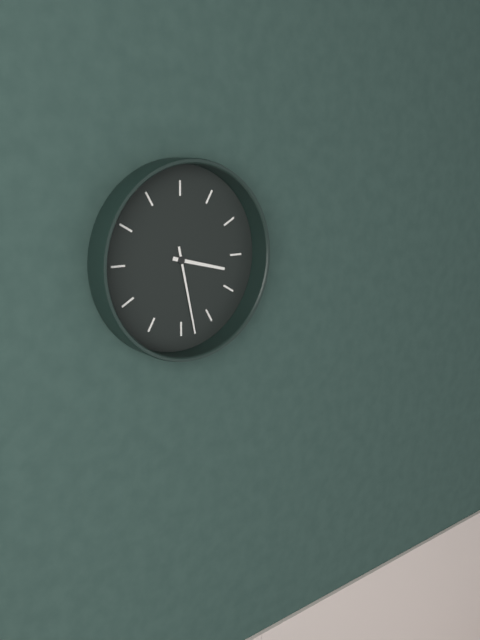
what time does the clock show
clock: 3:28
